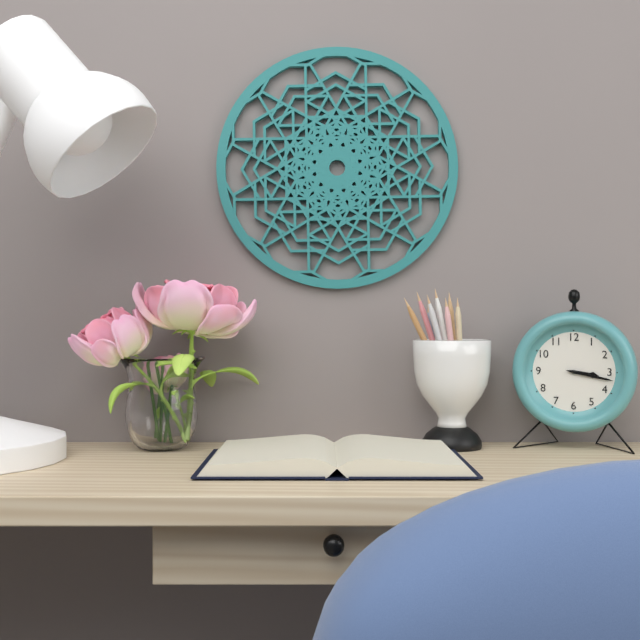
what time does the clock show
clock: 3:17
